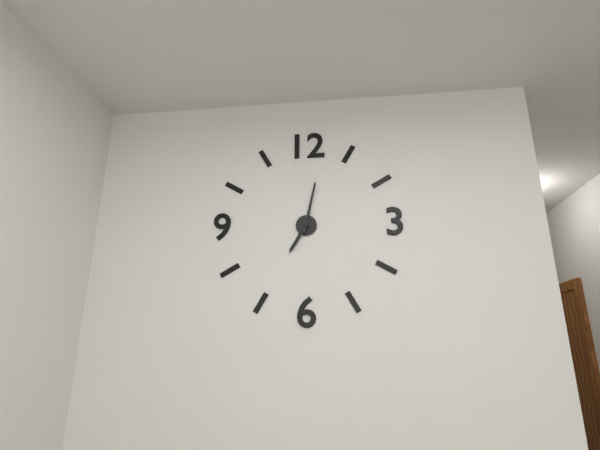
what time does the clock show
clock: 7:02
